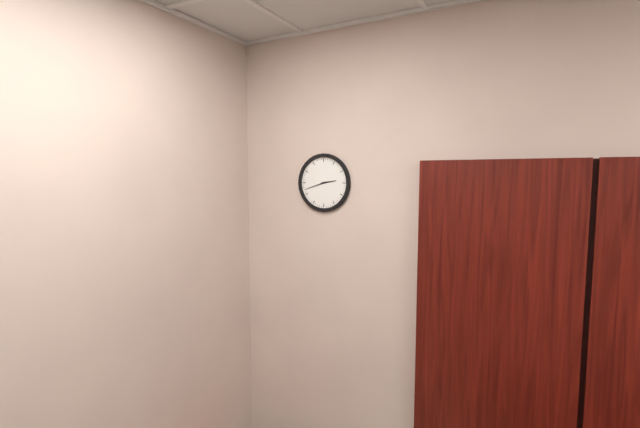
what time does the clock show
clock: 2:42
